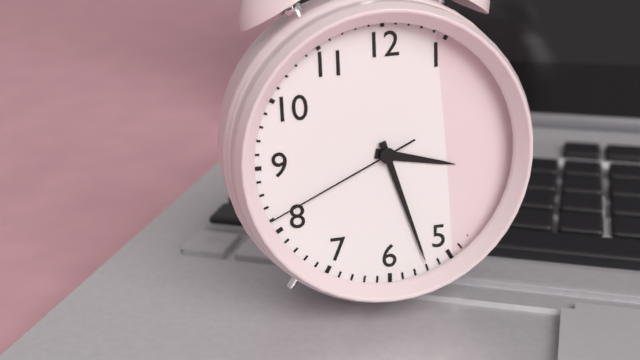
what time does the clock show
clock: 3:27:41
